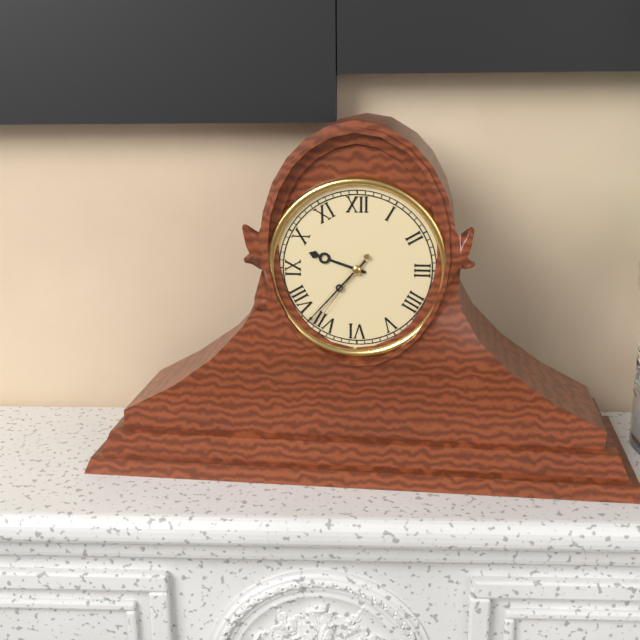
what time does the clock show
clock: 9:37:36
